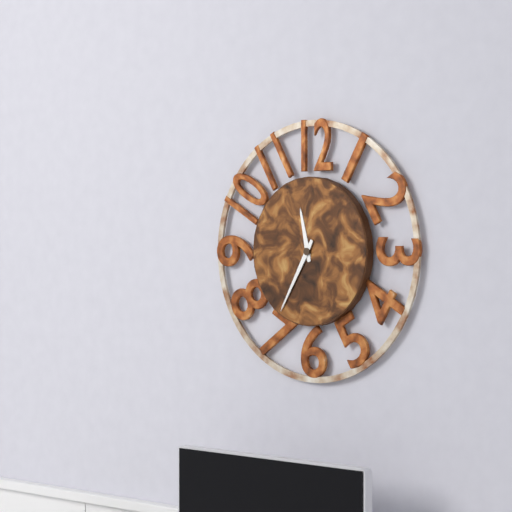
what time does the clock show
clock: 11:35
